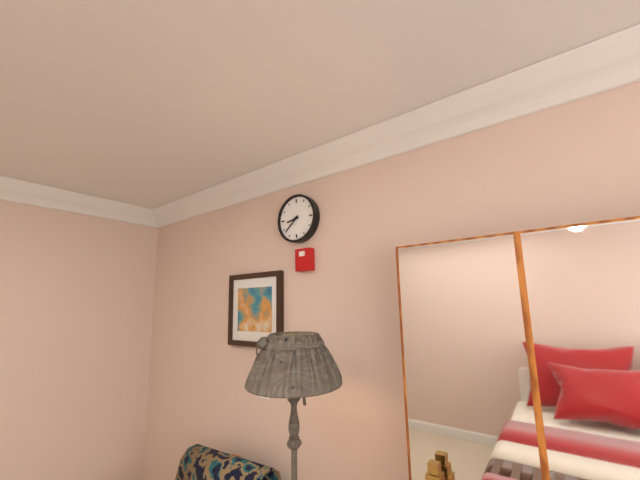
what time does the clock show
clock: 8:38
